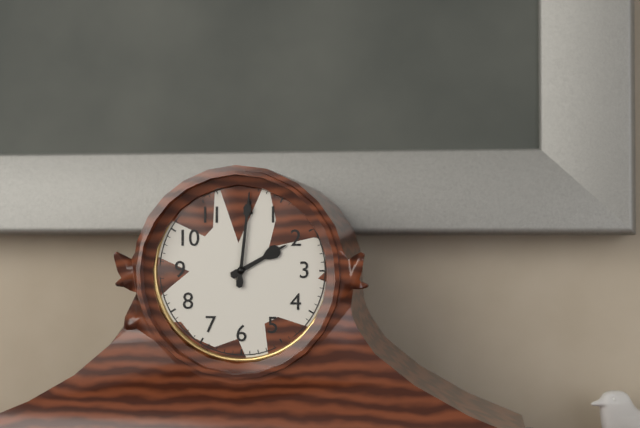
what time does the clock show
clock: 2:01
